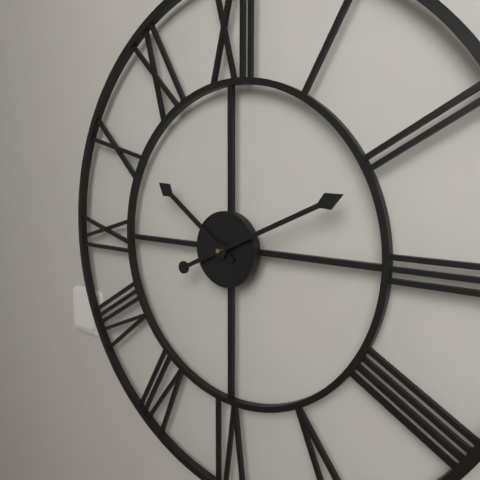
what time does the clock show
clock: 10:11
